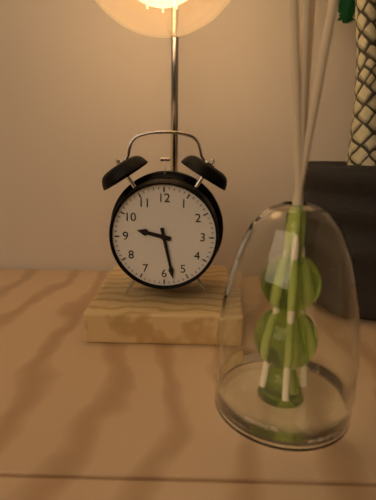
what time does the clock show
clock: 9:28
